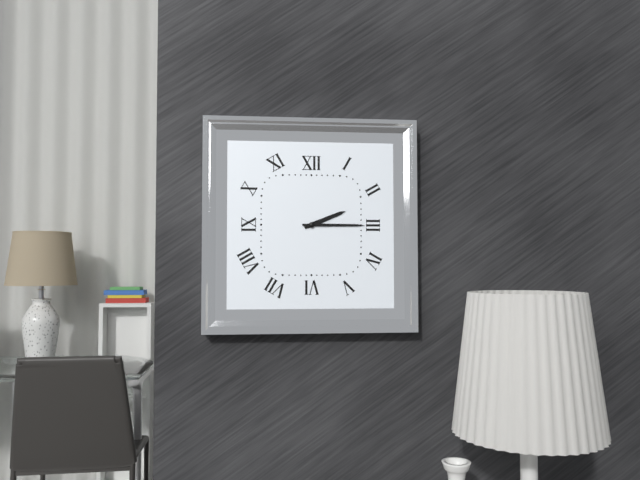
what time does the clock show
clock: 2:15
